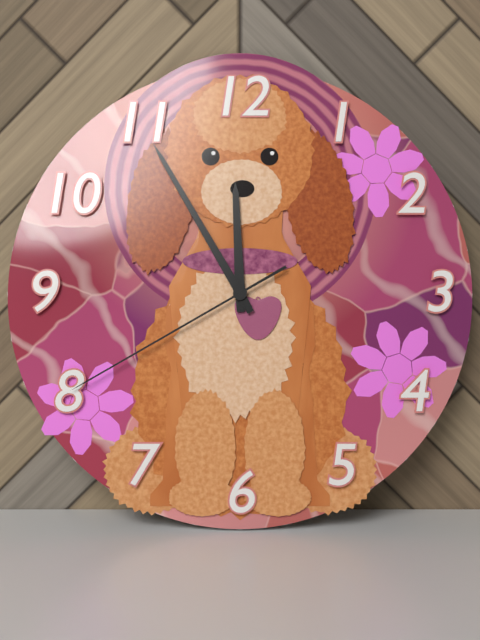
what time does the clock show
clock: 11:55:40
